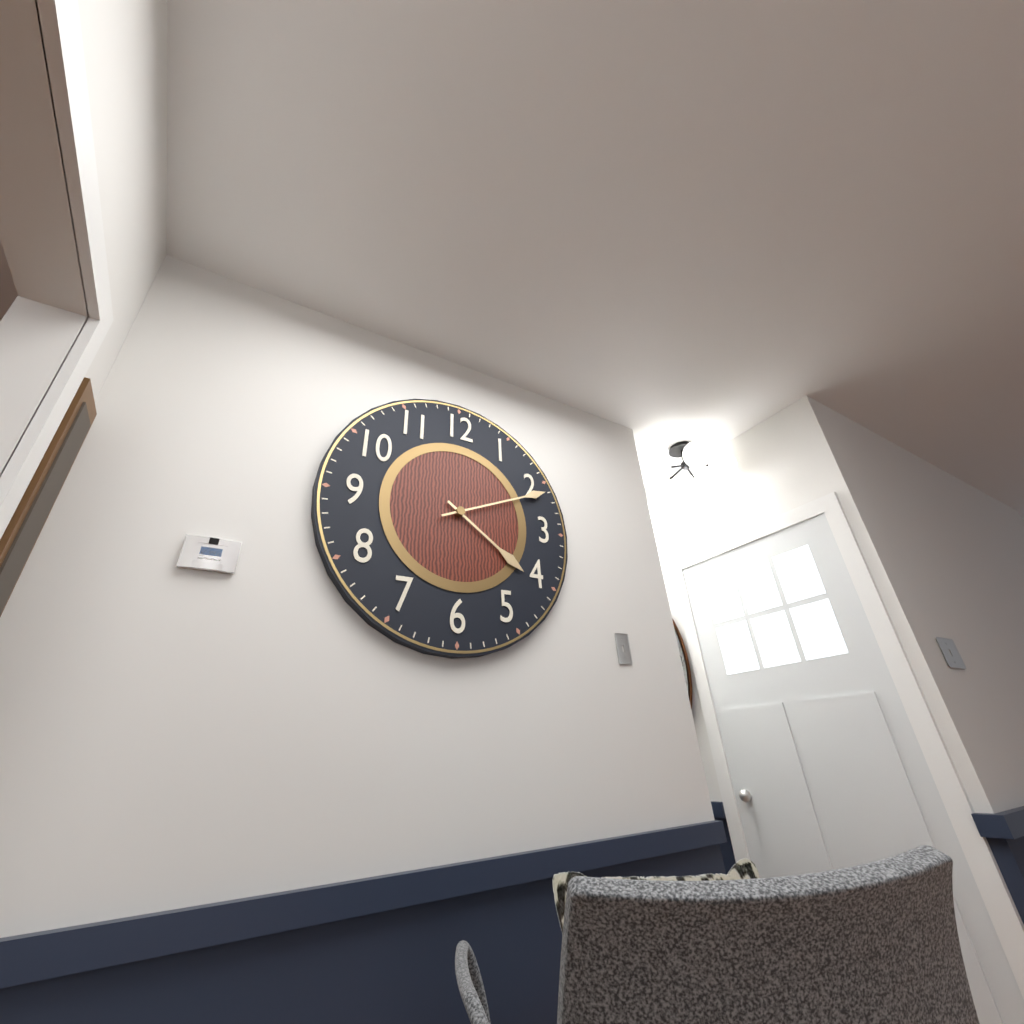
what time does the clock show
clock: 4:11
